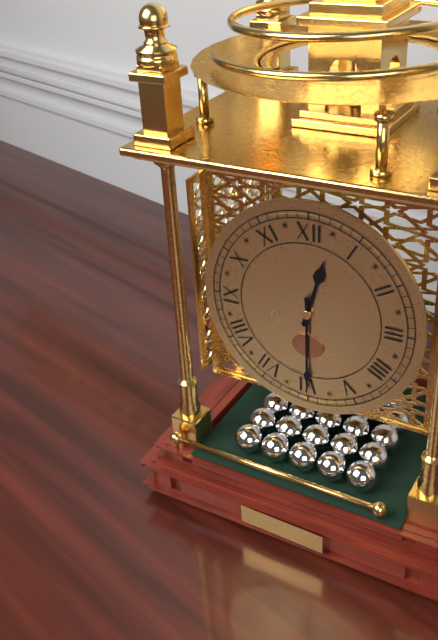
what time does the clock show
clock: 12:30
